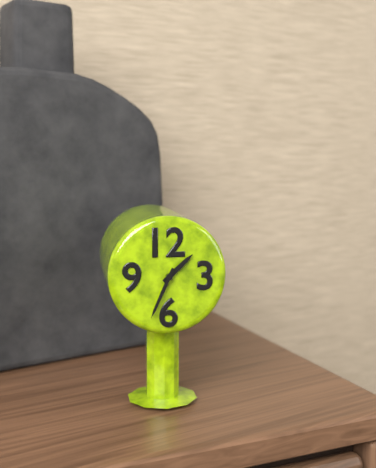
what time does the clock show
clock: 1:34
